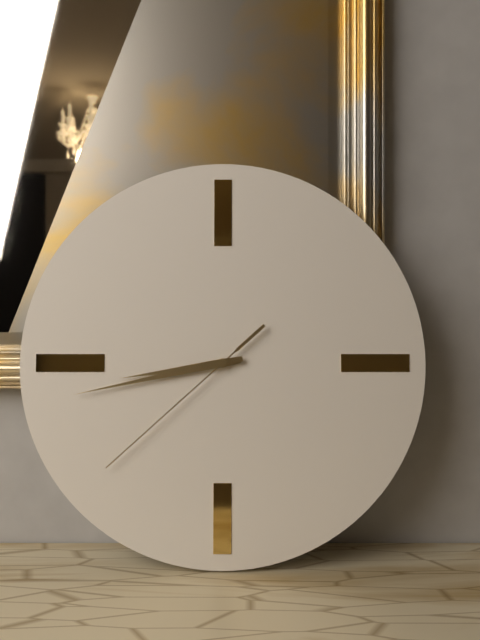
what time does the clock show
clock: 8:43:38
